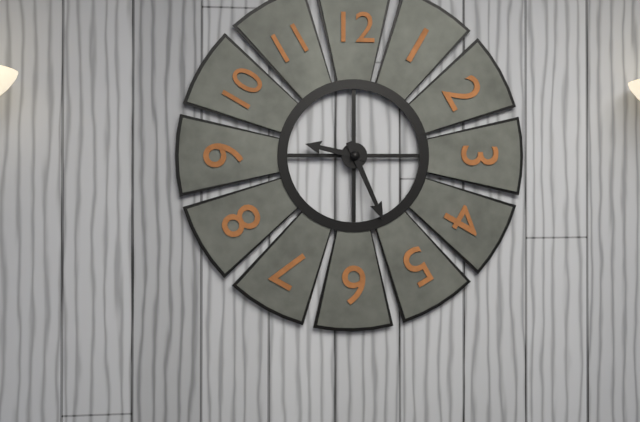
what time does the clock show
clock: 9:26
